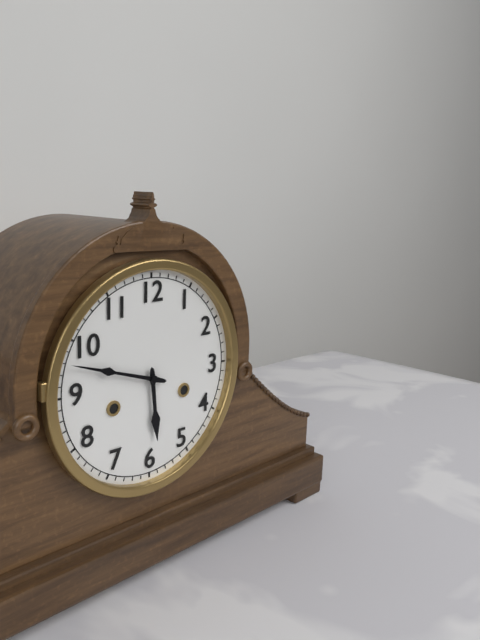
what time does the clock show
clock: 5:48
